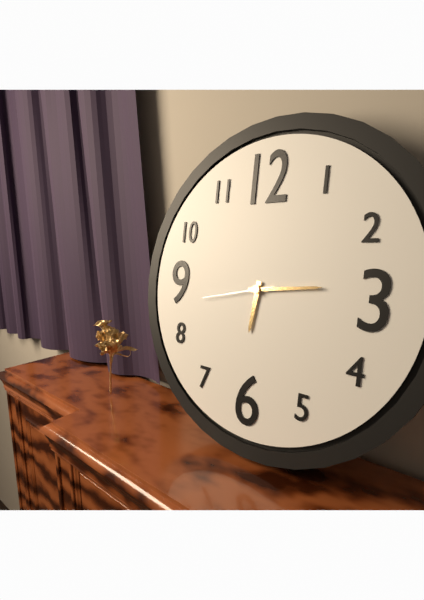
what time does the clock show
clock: 6:14:43
